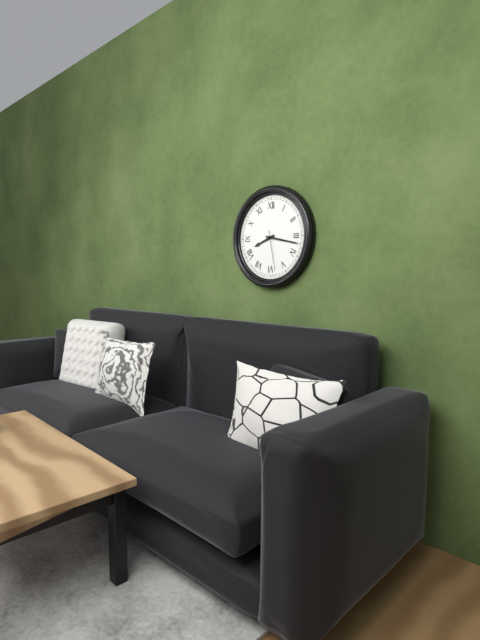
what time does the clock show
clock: 8:17
